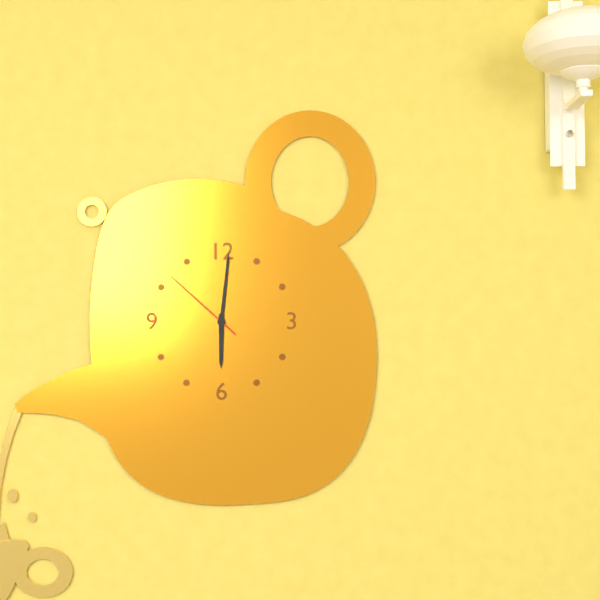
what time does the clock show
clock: 6:01:52
